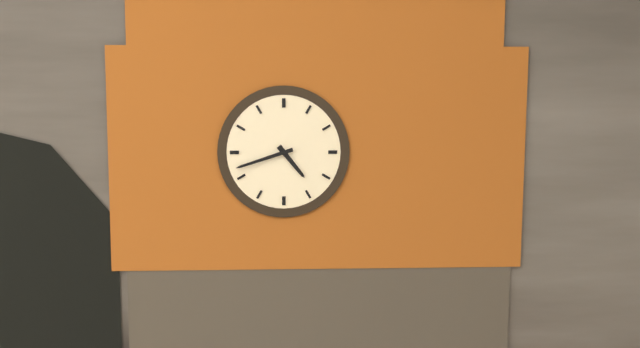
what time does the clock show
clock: 4:42
